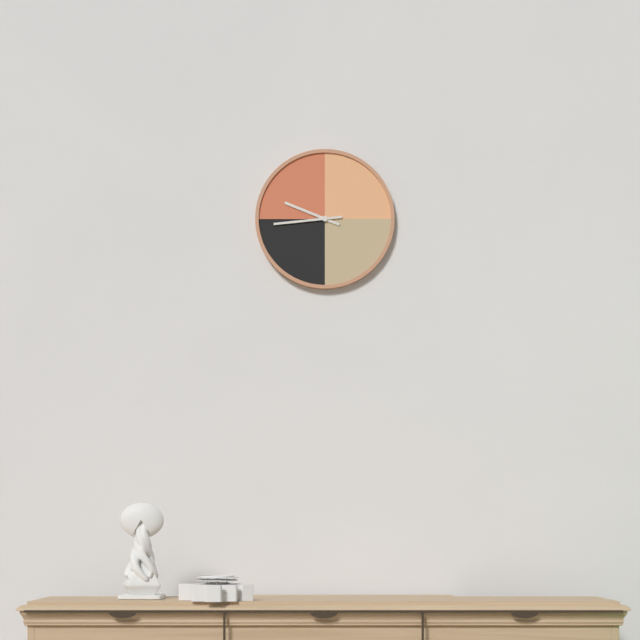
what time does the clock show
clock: 9:44
